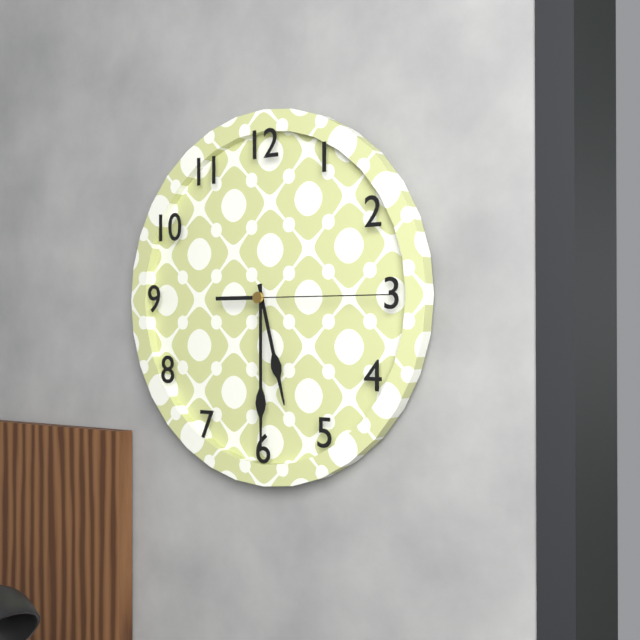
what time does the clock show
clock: 5:30:15
